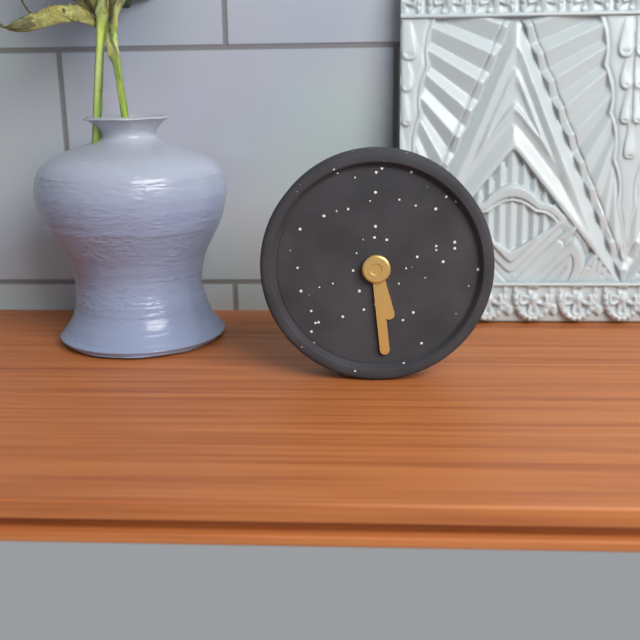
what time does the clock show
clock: 5:29
